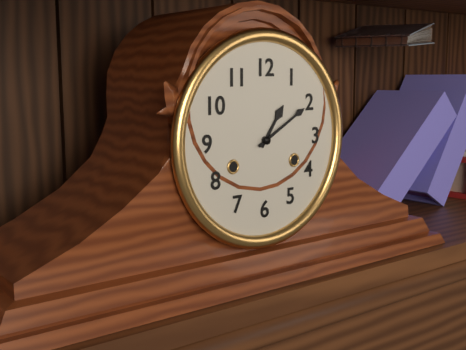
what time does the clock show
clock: 1:10
